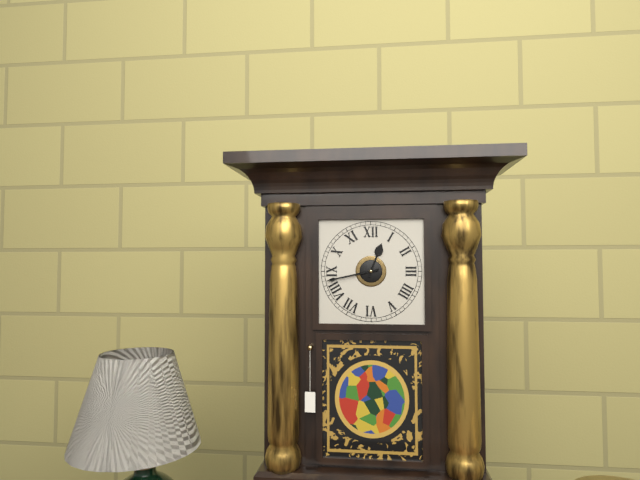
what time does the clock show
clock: 12:43
